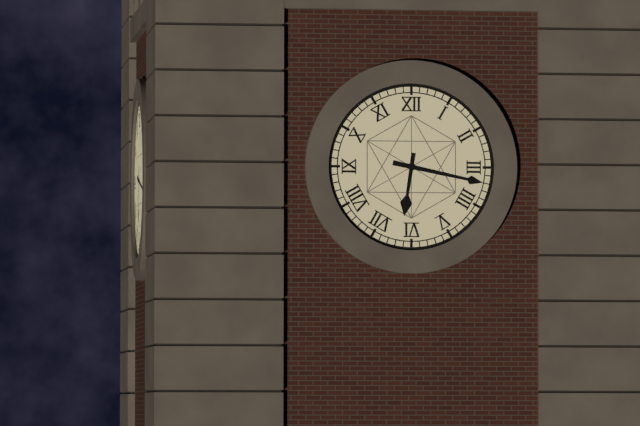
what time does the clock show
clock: 6:17
